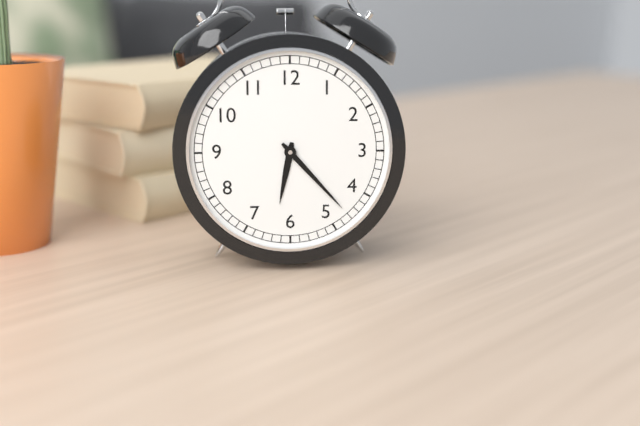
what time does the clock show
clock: 6:23
